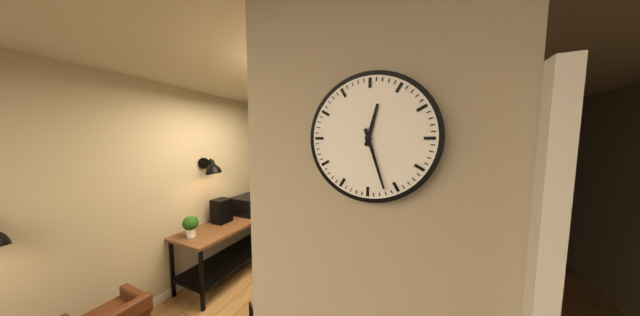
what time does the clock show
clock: 12:27
